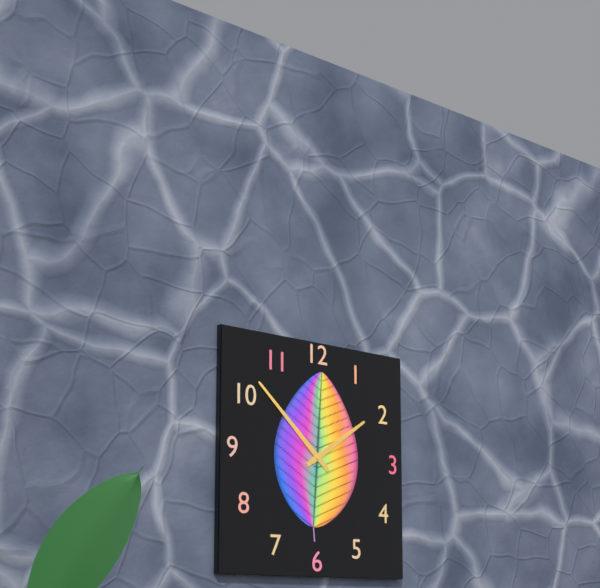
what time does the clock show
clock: 1:52
